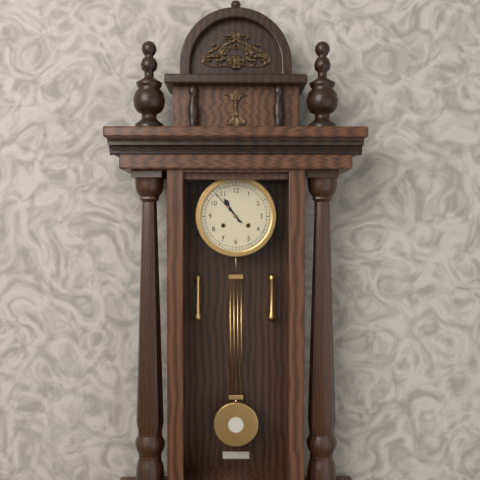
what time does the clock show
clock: 10:53
